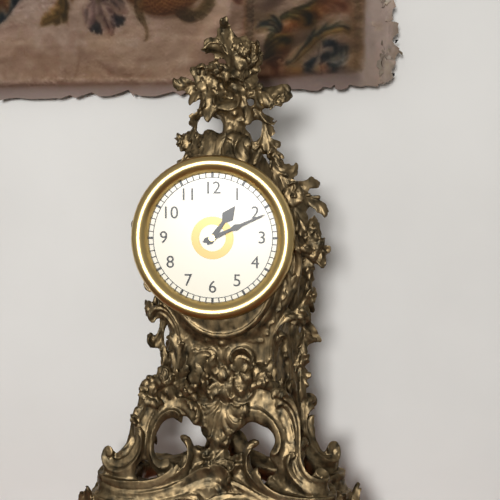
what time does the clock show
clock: 1:11
